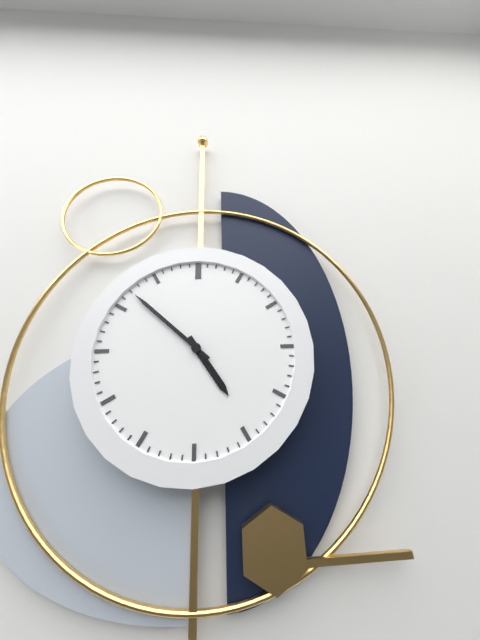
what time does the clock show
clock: 4:52
